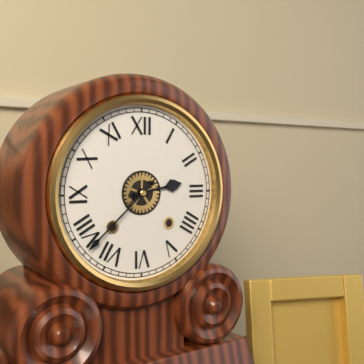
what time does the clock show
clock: 2:38
